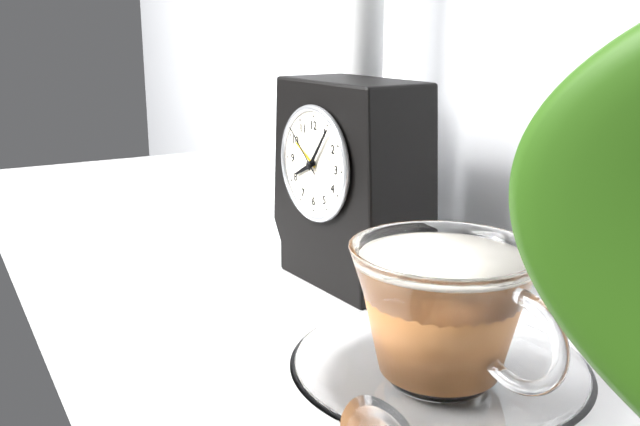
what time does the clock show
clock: 8:06:52
